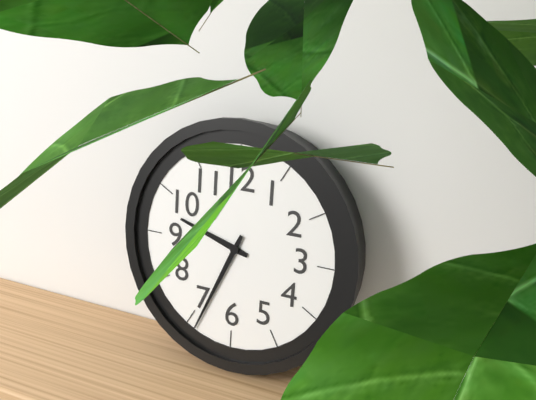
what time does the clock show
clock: 9:34
